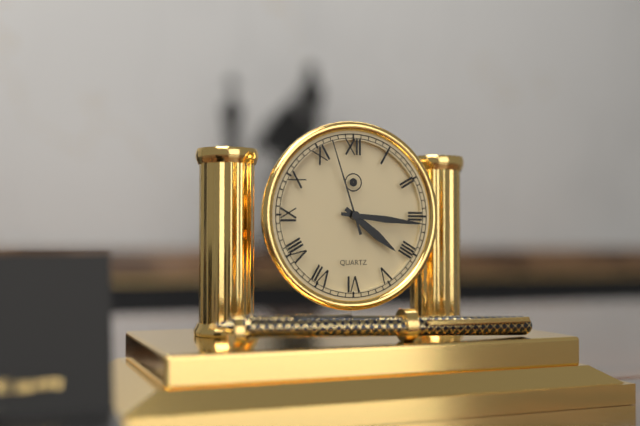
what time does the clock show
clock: 4:16:57
